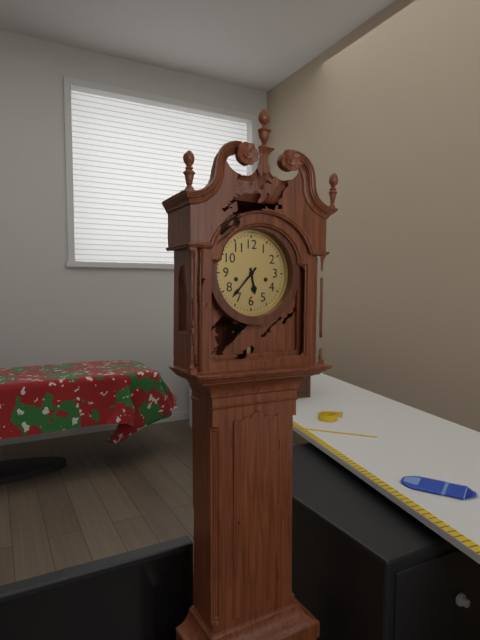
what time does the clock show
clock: 5:37
